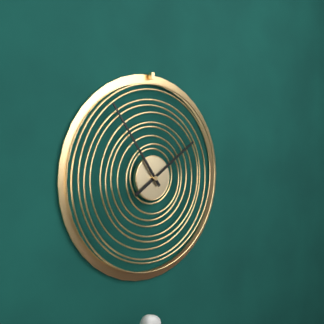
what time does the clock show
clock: 1:54
